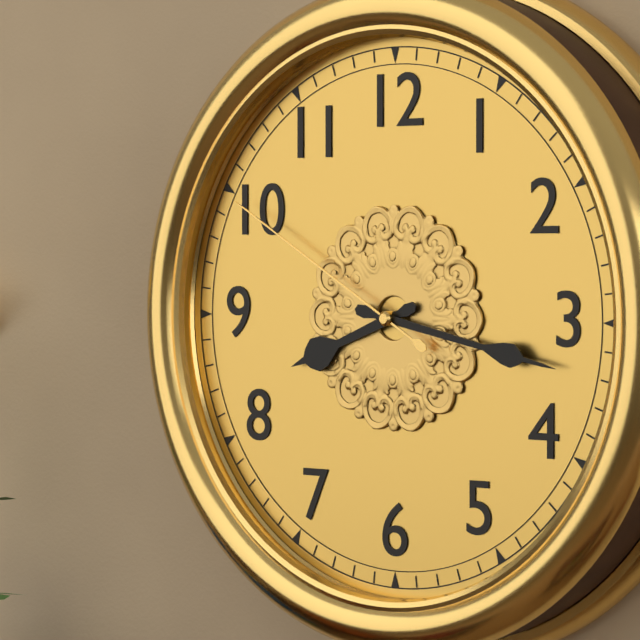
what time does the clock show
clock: 8:17:50
